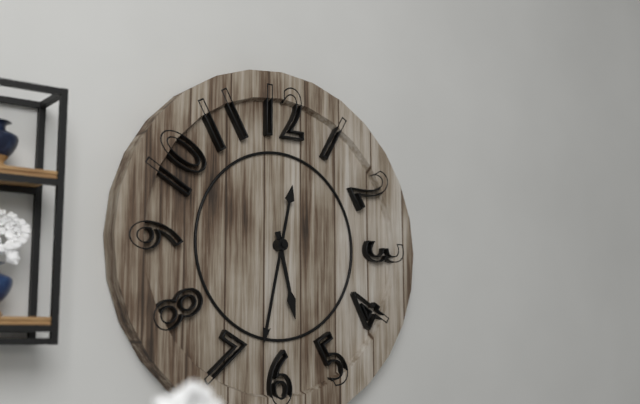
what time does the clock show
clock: 5:32
